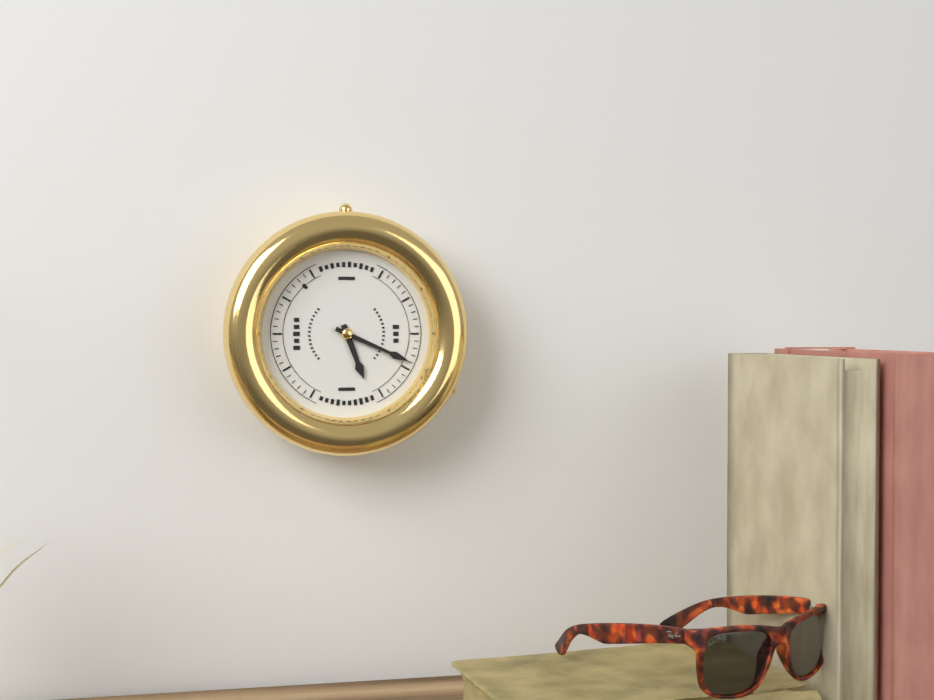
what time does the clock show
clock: 5:19
